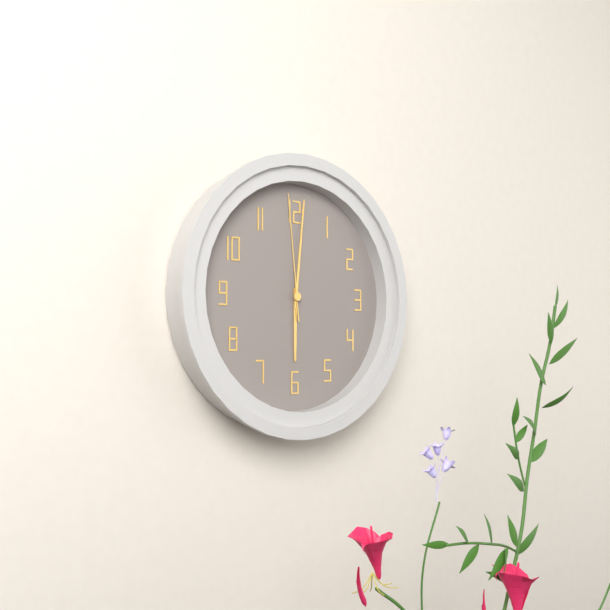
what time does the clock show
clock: 6:01:59
